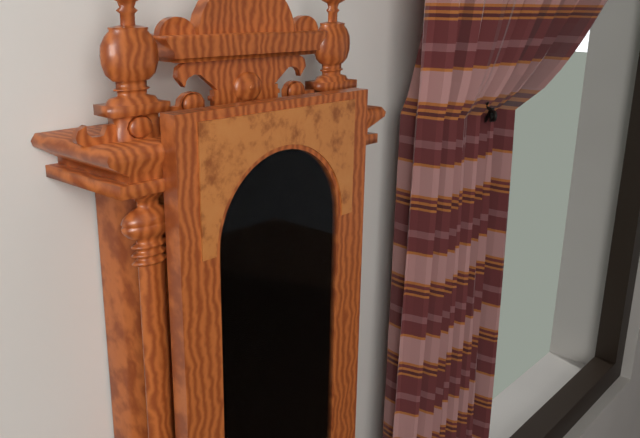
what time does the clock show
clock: 7:01
